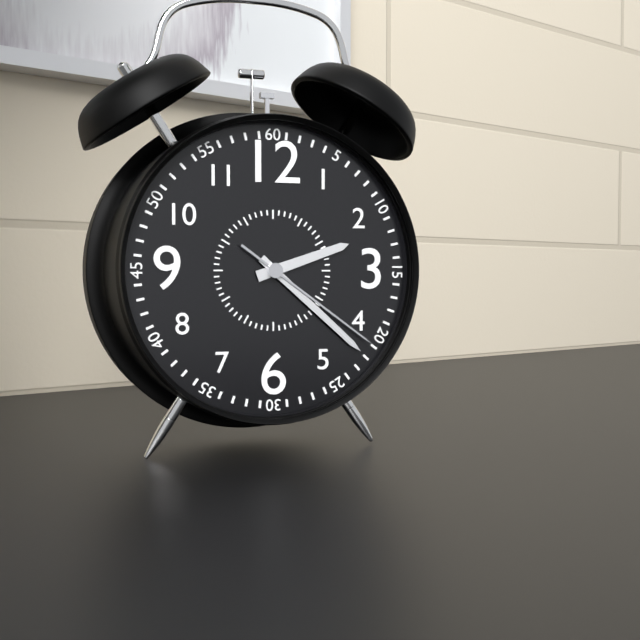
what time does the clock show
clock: 2:22:21
